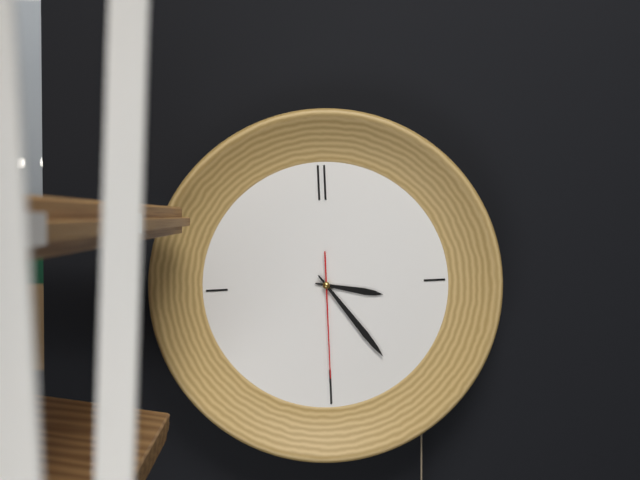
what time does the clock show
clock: 3:24:30
